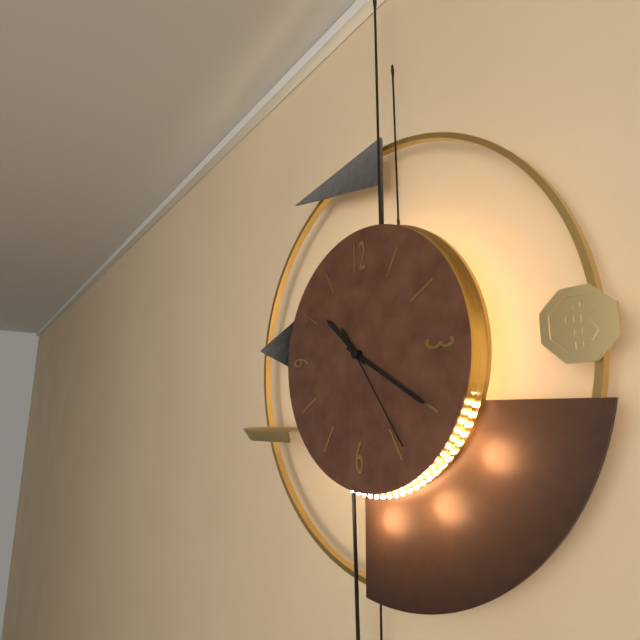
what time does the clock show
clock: 10:20:24
